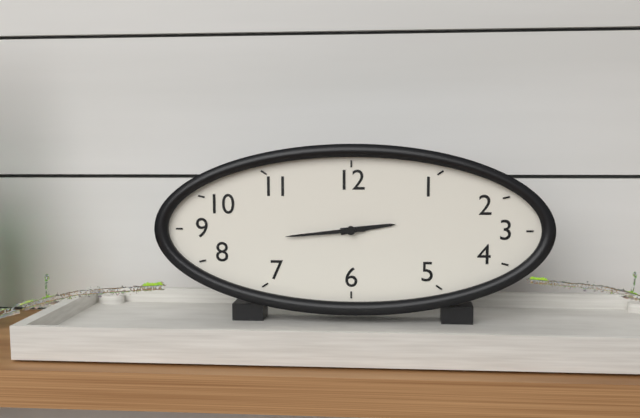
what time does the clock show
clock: 2:44
